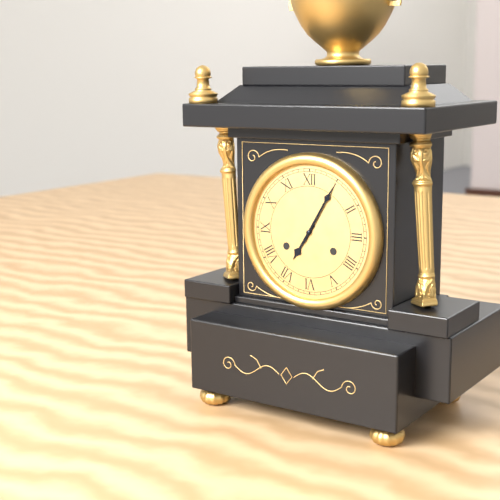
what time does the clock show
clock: 7:05
